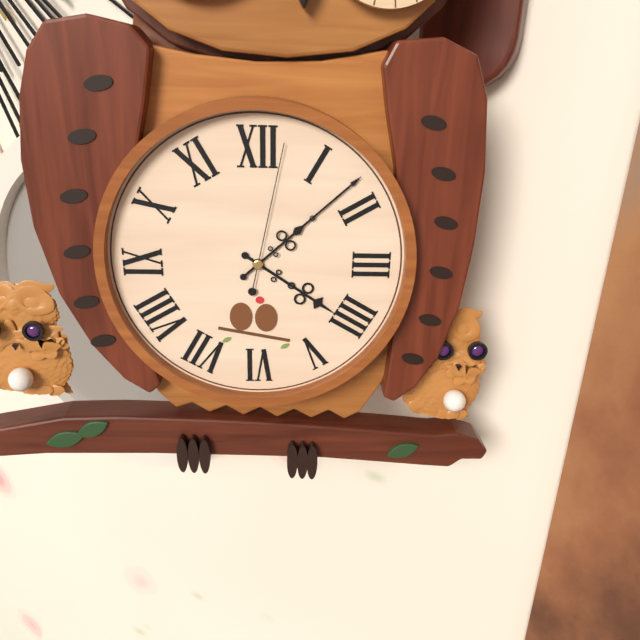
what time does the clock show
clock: 4:08:02
